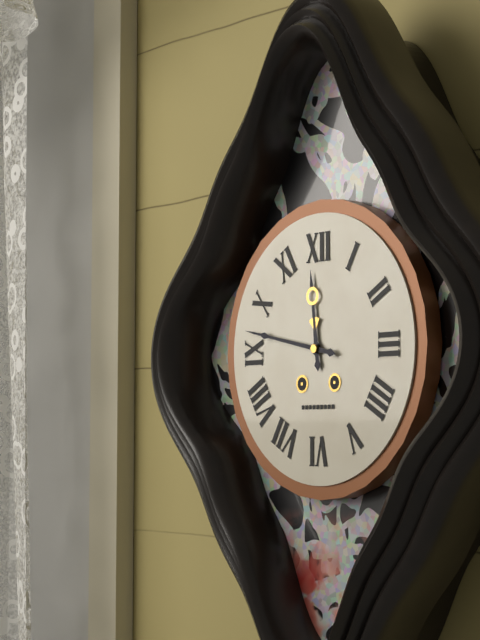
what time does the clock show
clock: 11:47
